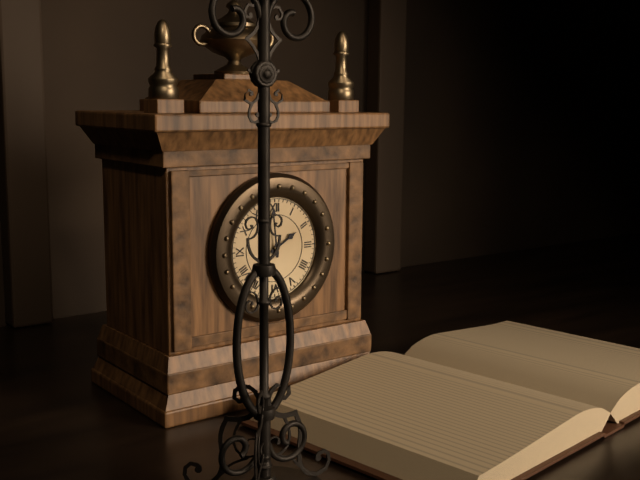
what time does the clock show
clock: 1:59
